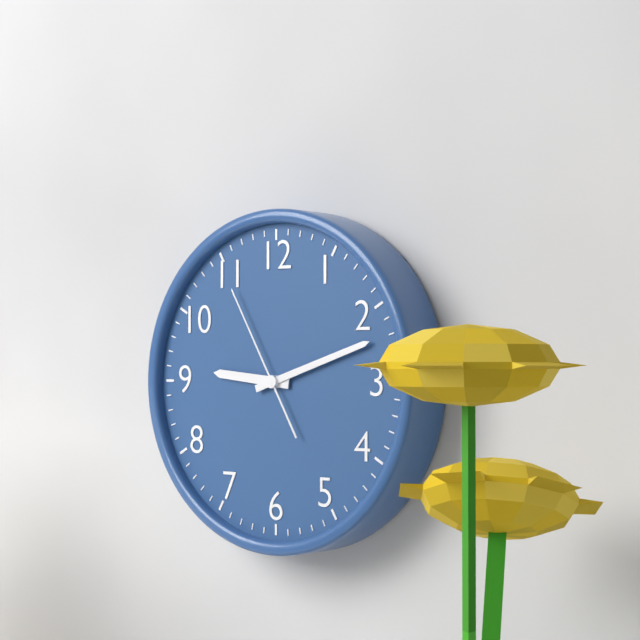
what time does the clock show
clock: 9:12:55
